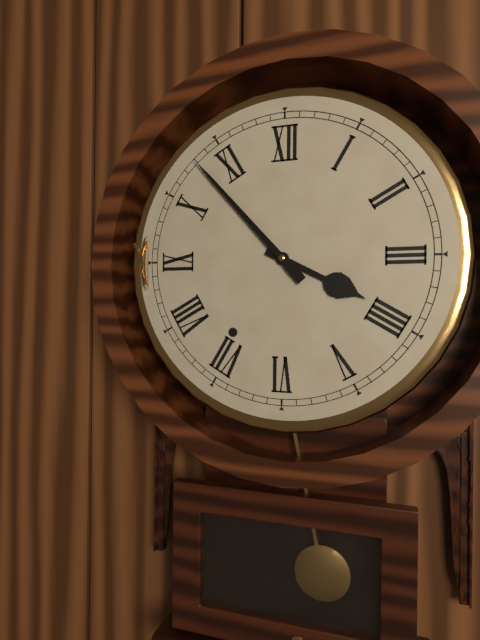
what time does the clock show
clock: 3:53
